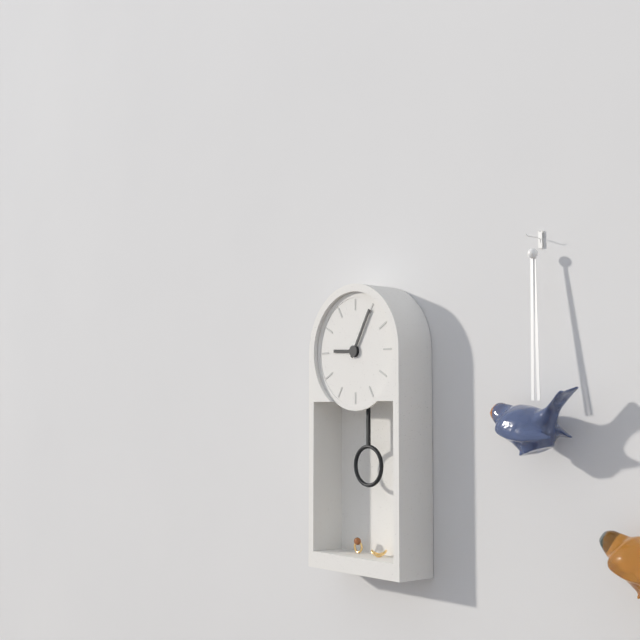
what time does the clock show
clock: 9:05
